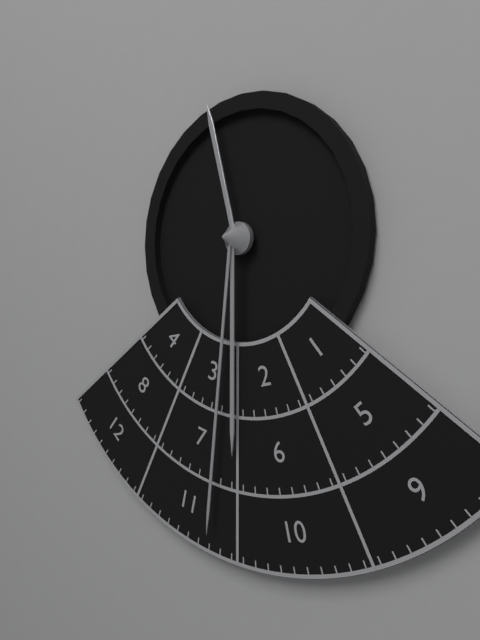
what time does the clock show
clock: 11:30:31
